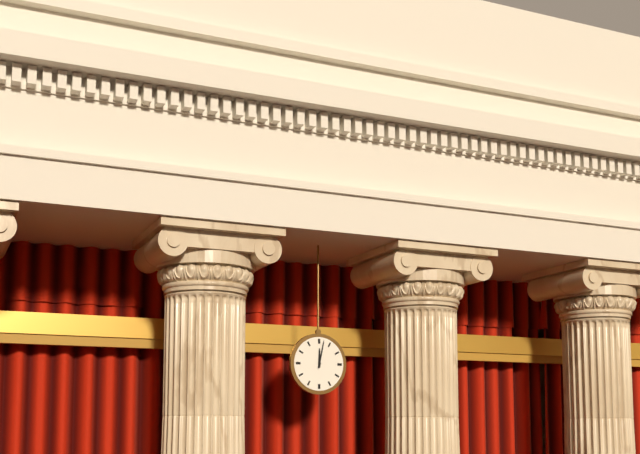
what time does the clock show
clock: 12:02
